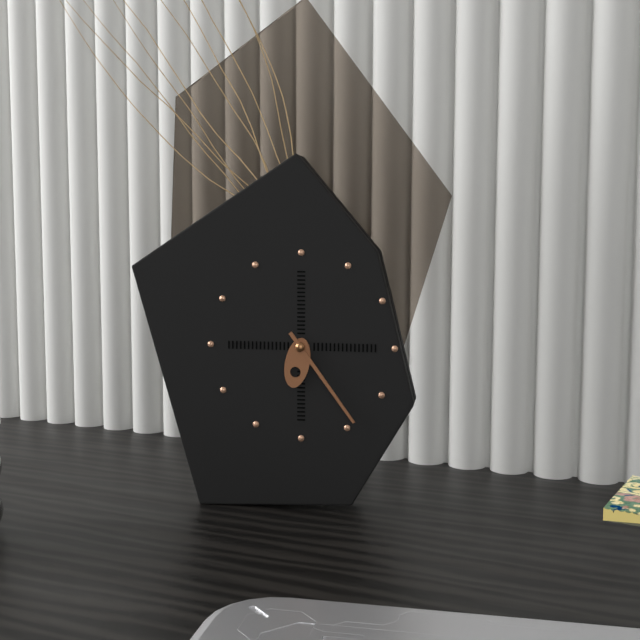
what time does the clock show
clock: 6:24
